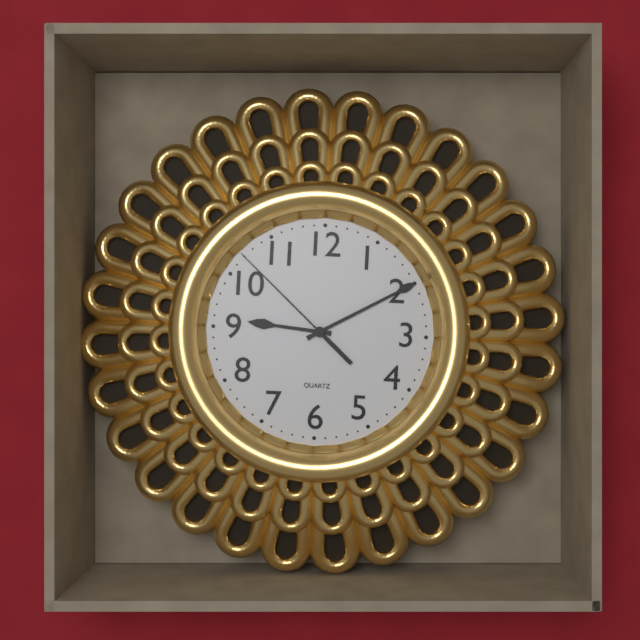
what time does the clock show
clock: 9:10:52
